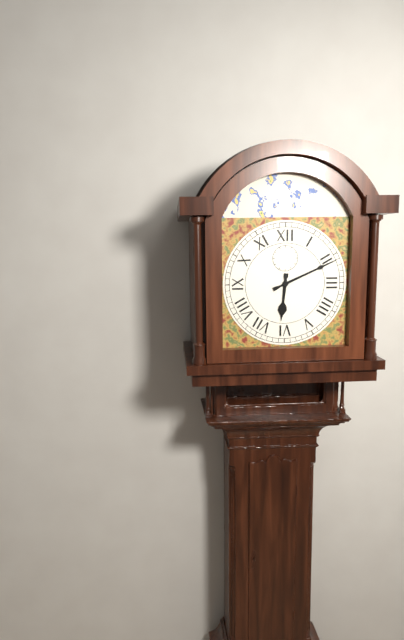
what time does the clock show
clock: 6:11
